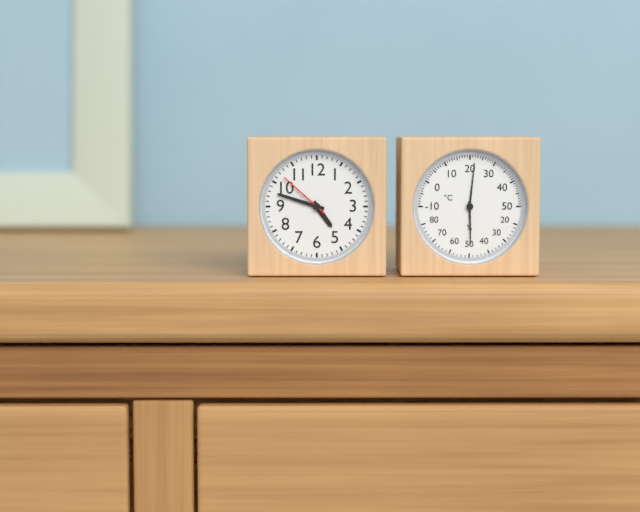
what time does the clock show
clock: 4:48:52
